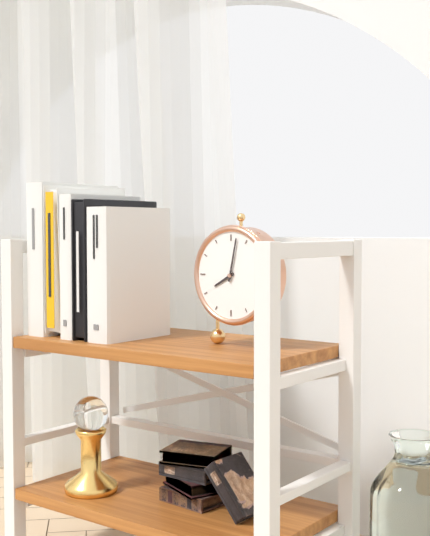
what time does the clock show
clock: 8:02
